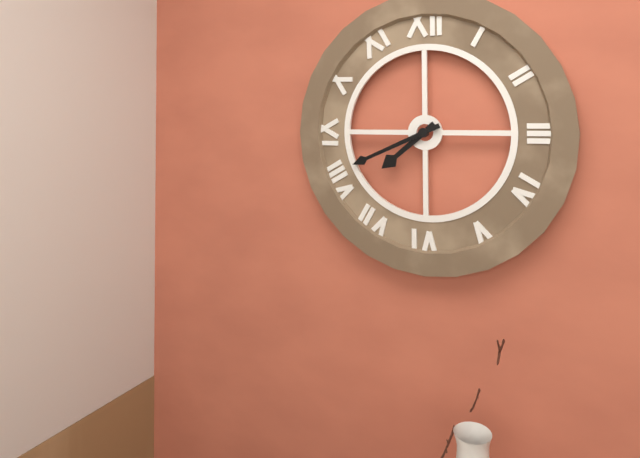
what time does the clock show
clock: 7:41
